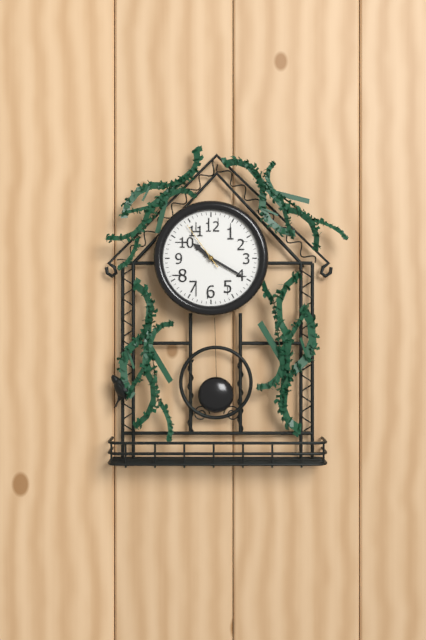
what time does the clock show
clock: 10:20:54
